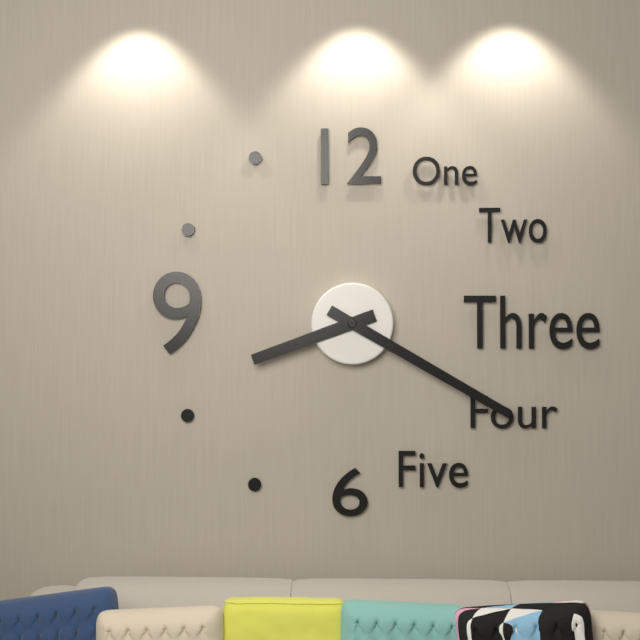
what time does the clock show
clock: 8:20
